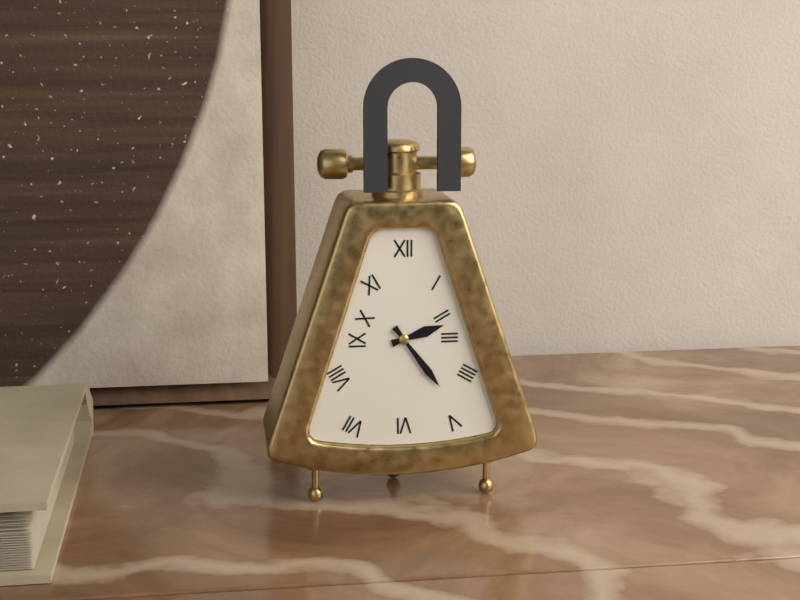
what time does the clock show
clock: 2:24
